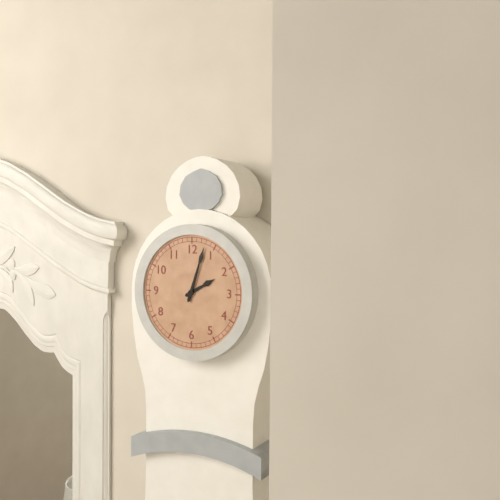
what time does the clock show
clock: 2:03
